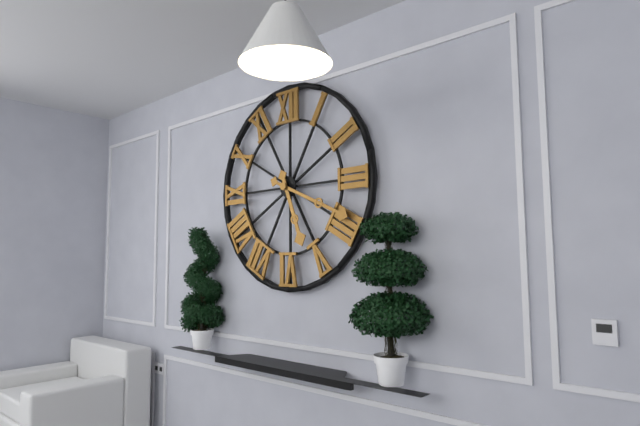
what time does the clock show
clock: 5:19
